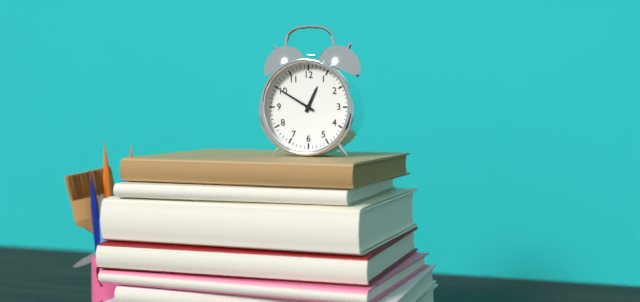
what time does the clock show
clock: 12:50
